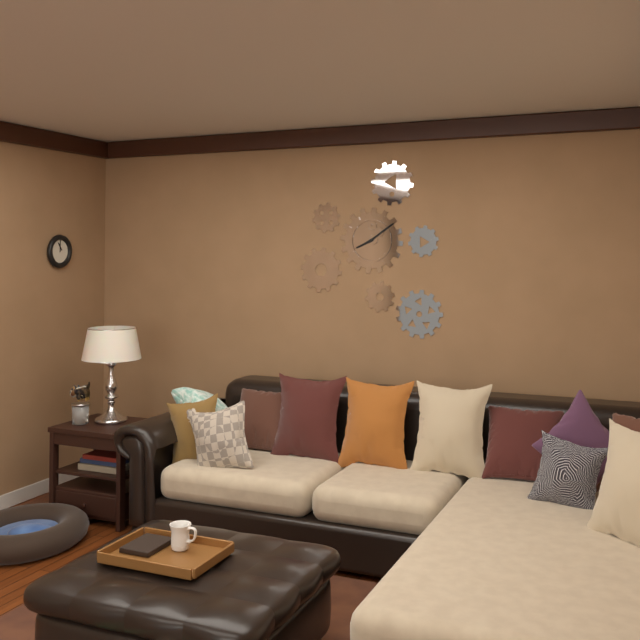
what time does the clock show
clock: 8:09
